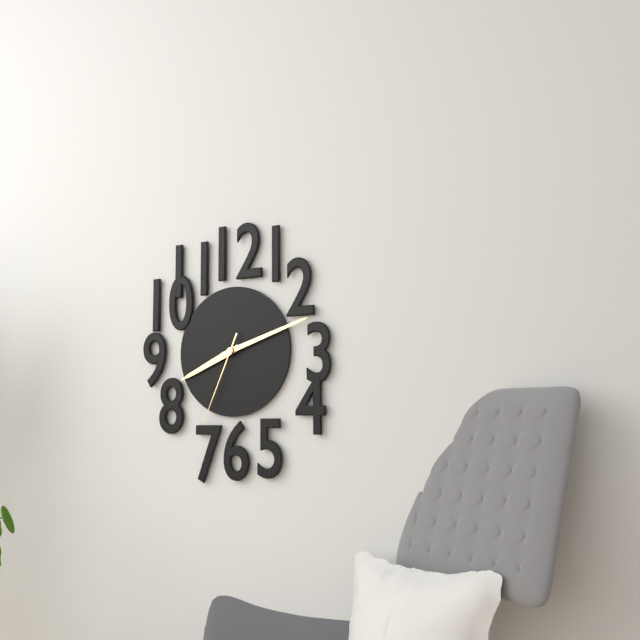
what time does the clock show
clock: 8:12:34
